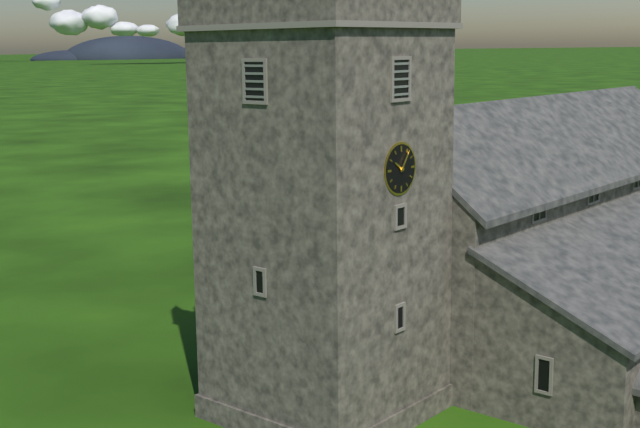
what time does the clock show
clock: 10:06
